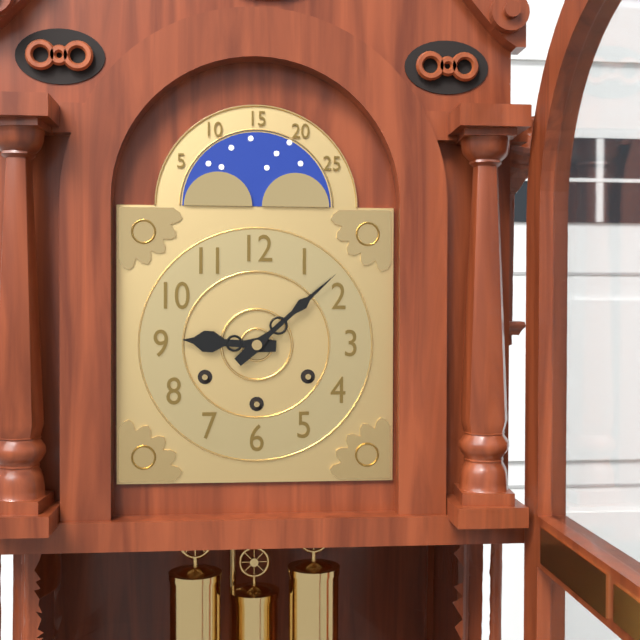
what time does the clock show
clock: 9:08
